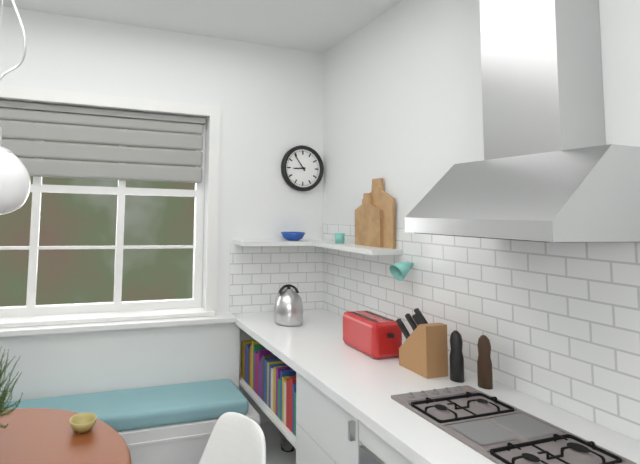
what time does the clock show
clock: 8:54
